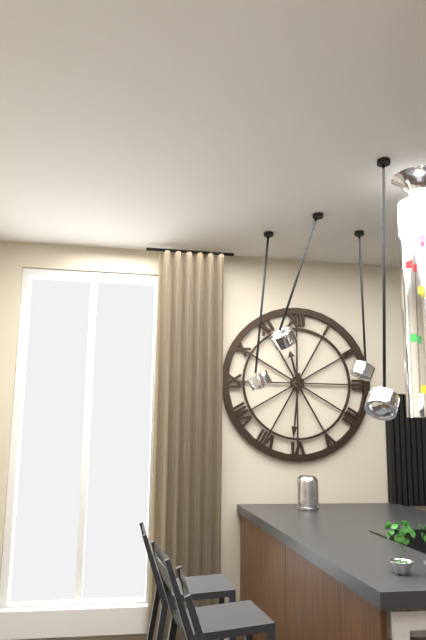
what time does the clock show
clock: 11:31
